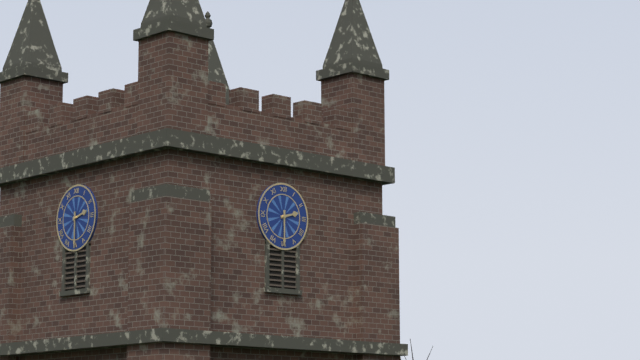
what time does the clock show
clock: 2:30
